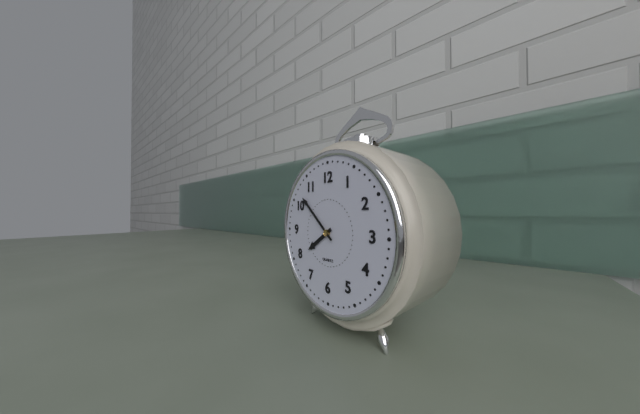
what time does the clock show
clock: 7:52
